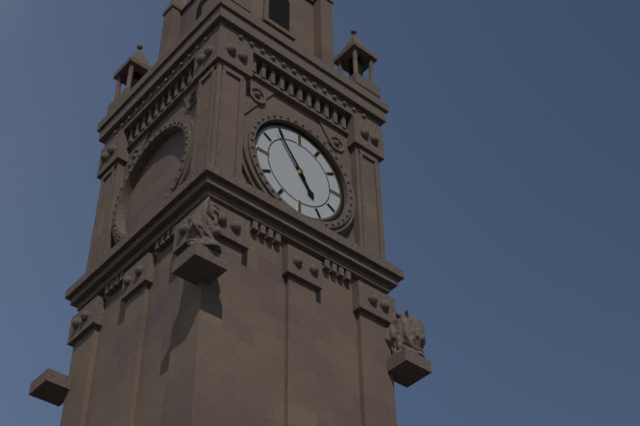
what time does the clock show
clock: 4:54
